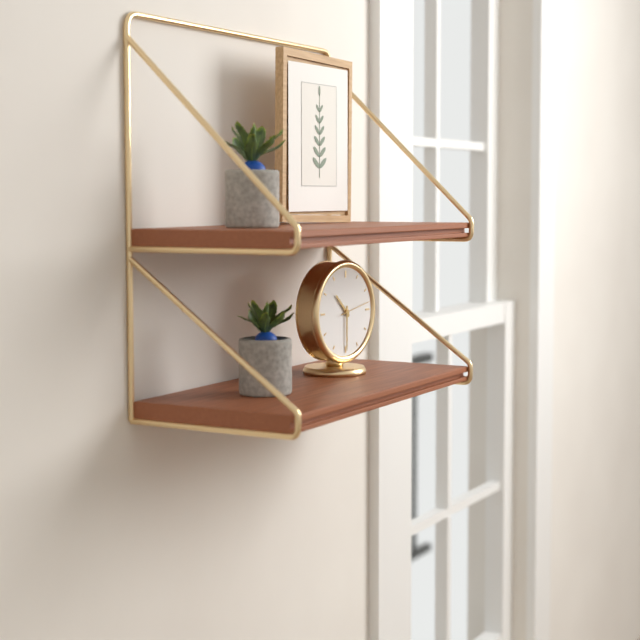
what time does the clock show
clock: 10:30
